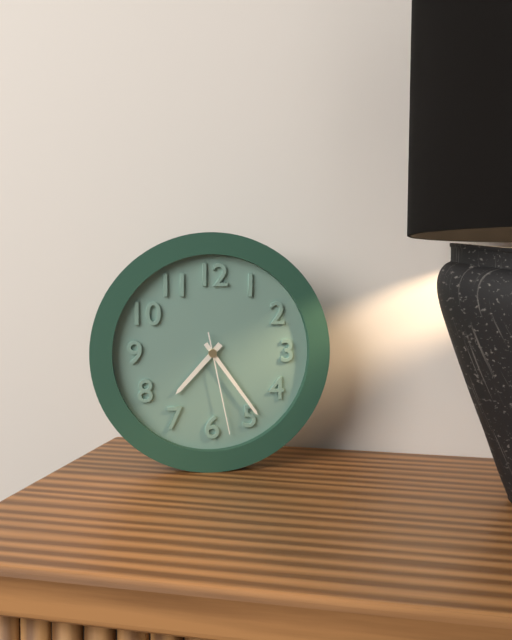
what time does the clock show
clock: 7:24:28
